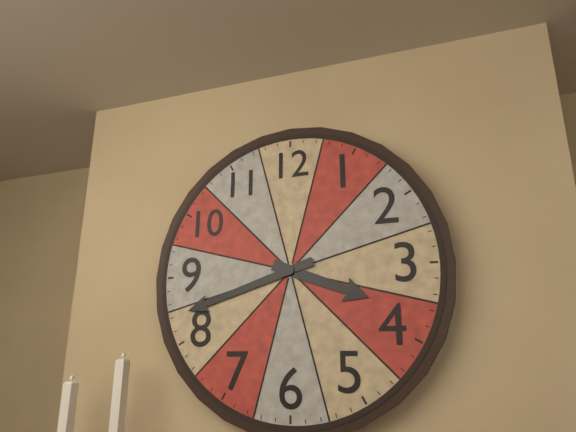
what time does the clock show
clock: 3:42
